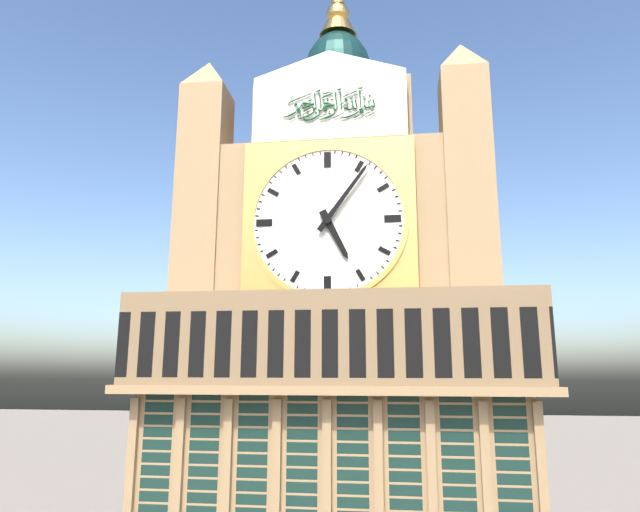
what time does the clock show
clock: 5:06
